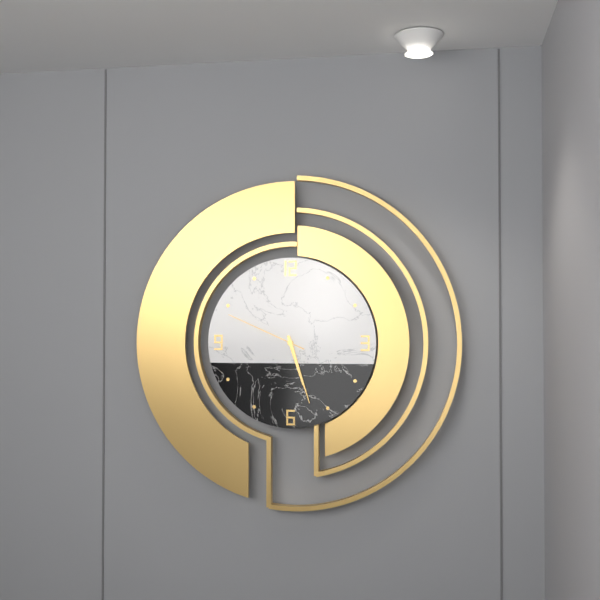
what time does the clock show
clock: 5:27:49
